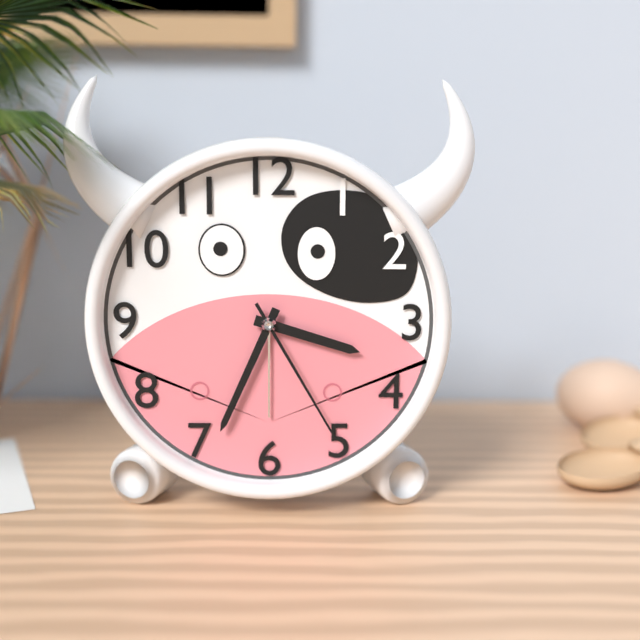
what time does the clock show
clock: 3:34:25
